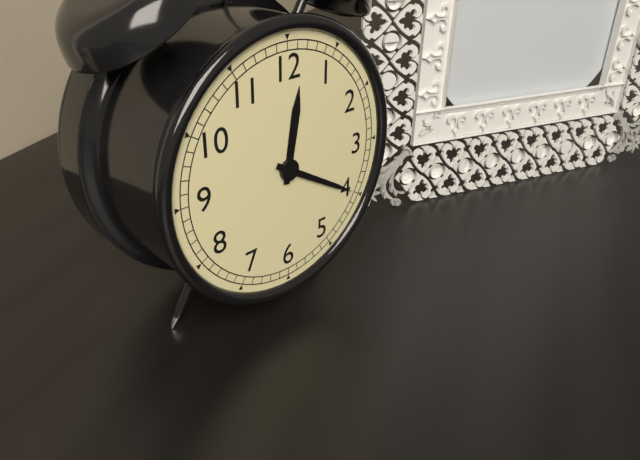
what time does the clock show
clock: 12:20
